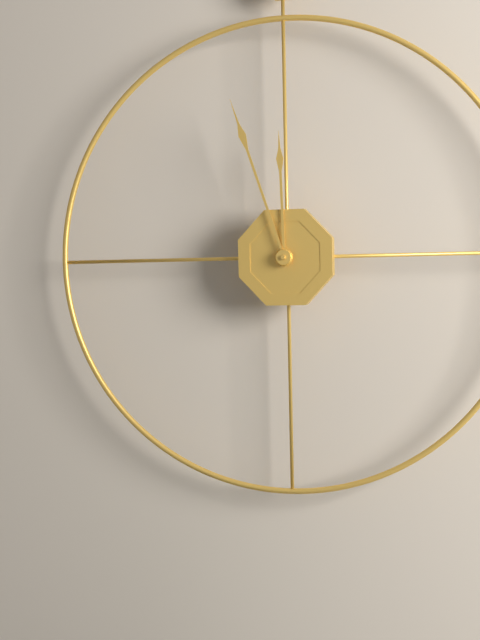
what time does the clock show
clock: 11:57
